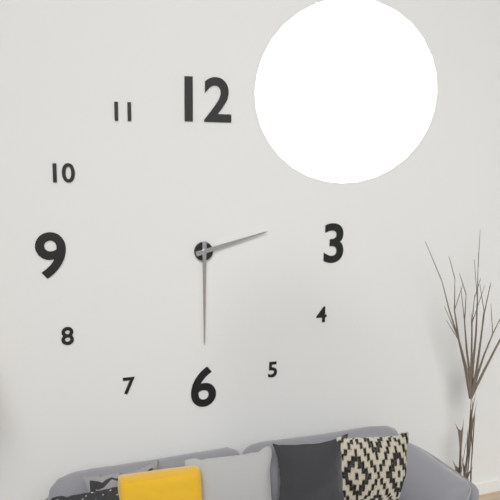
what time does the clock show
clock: 2:30
